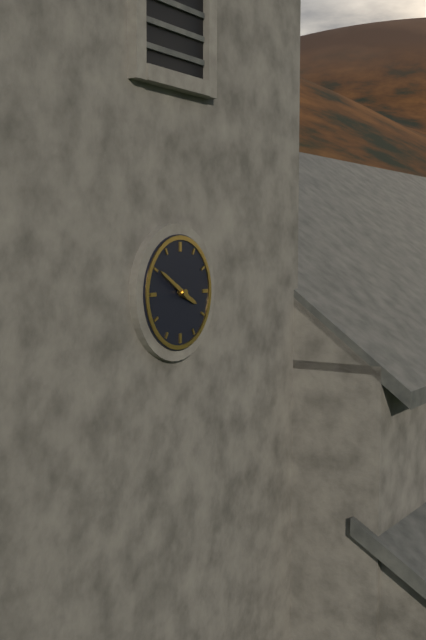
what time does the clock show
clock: 3:50
